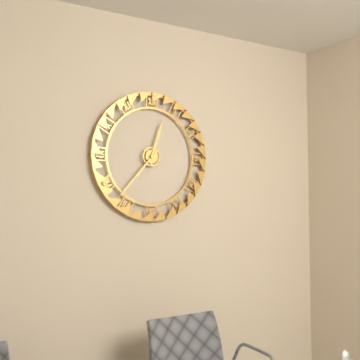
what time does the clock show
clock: 12:37
